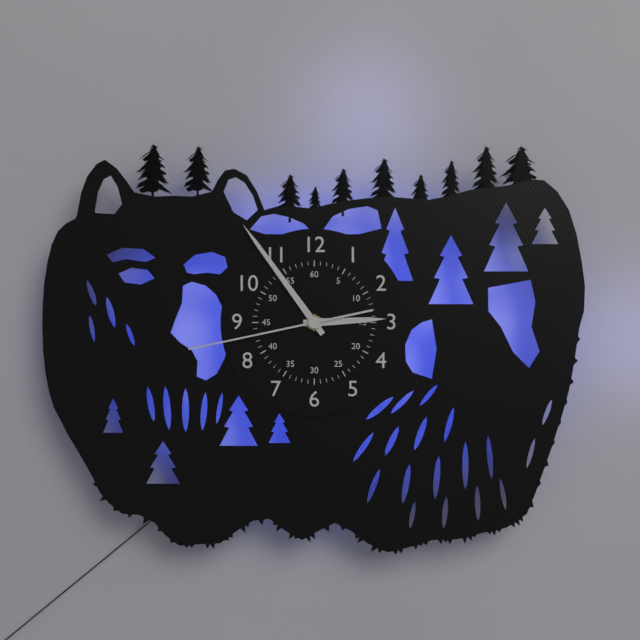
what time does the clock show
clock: 2:54:43
